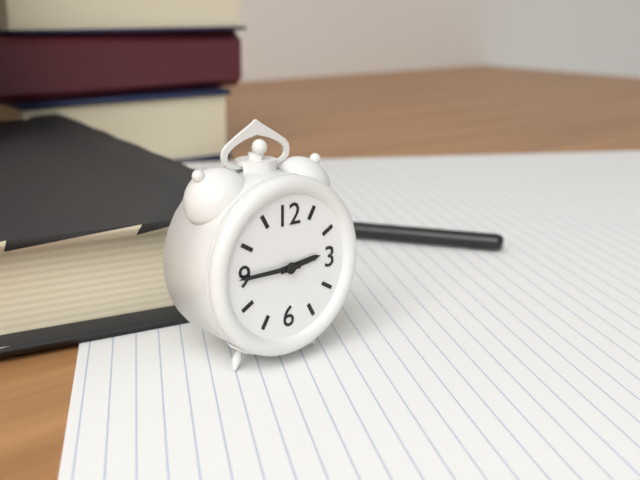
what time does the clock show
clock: 2:45
